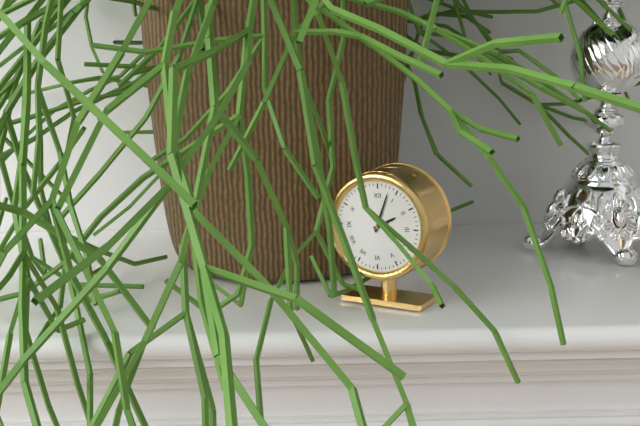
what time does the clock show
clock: 2:03
